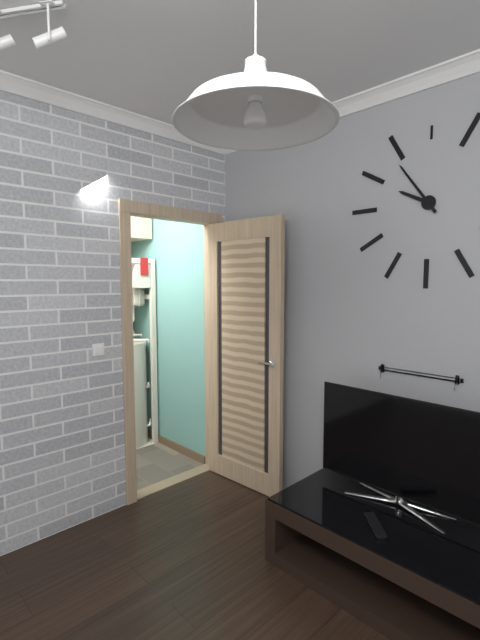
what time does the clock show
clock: 9:54
